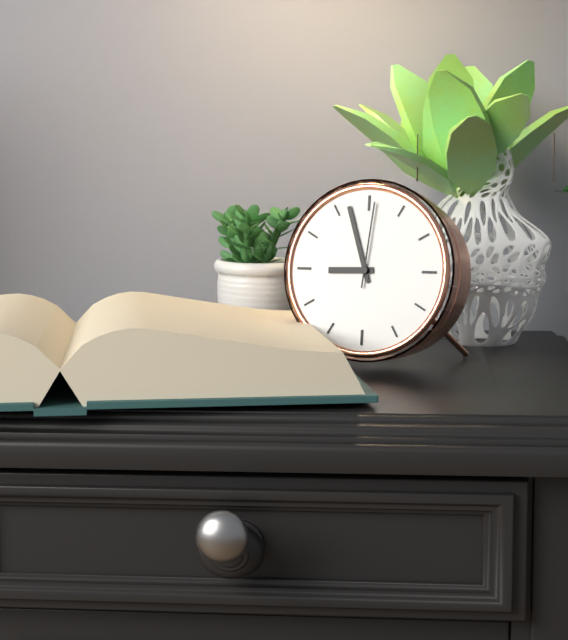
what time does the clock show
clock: 8:57:01
